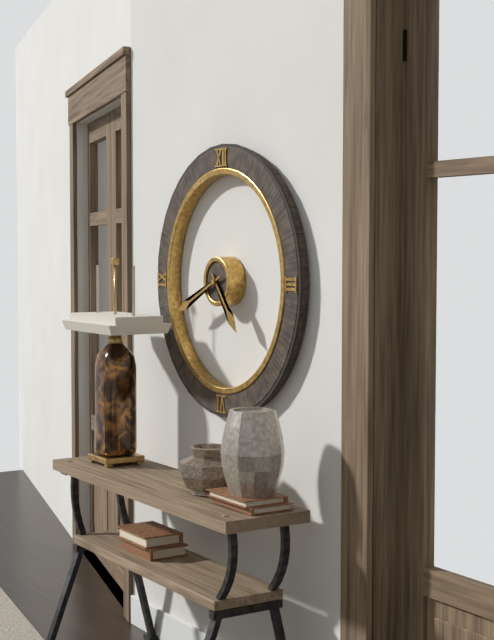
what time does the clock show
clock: 4:41
